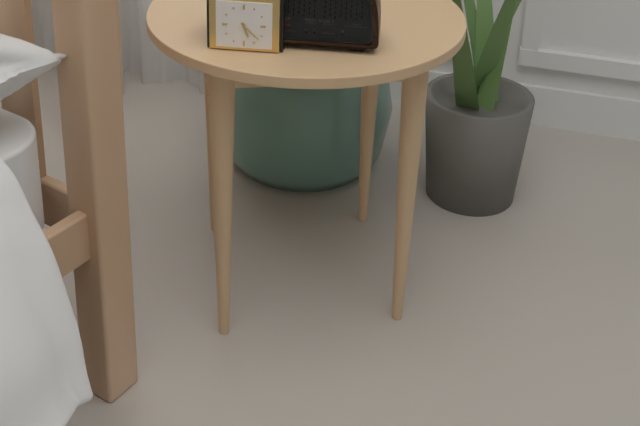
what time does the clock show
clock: 5:22
